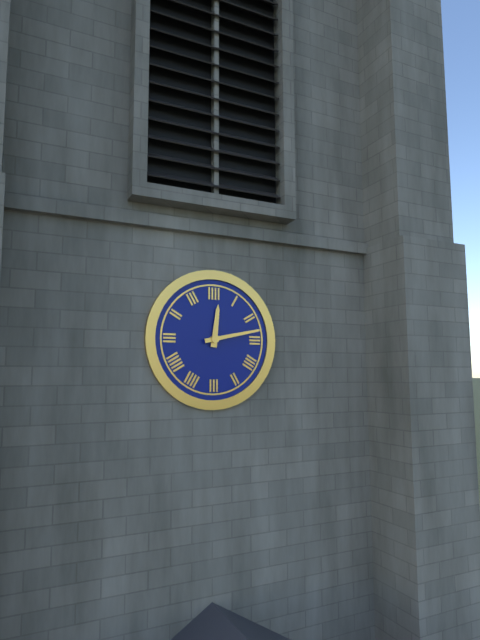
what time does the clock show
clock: 12:13
